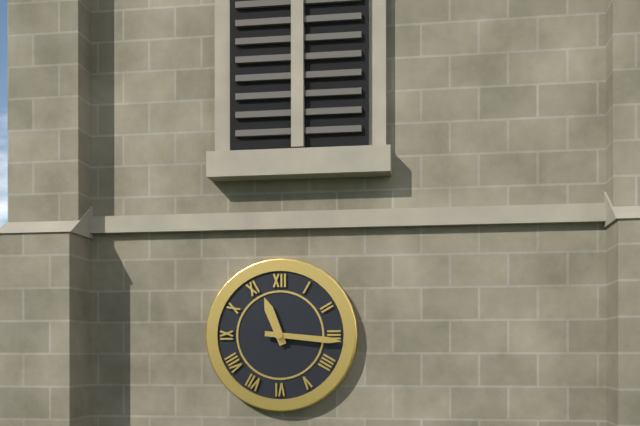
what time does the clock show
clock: 11:16
